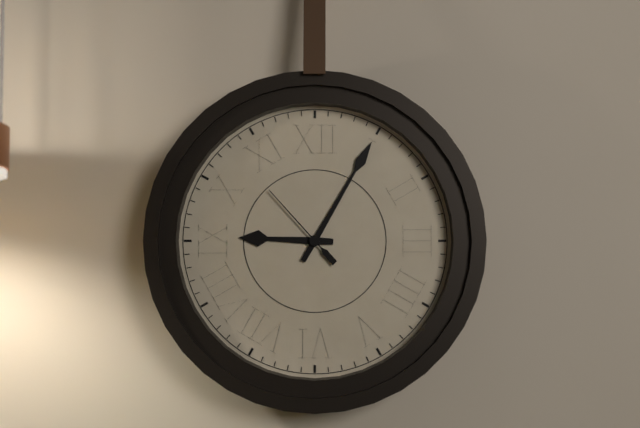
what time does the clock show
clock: 9:05:53
